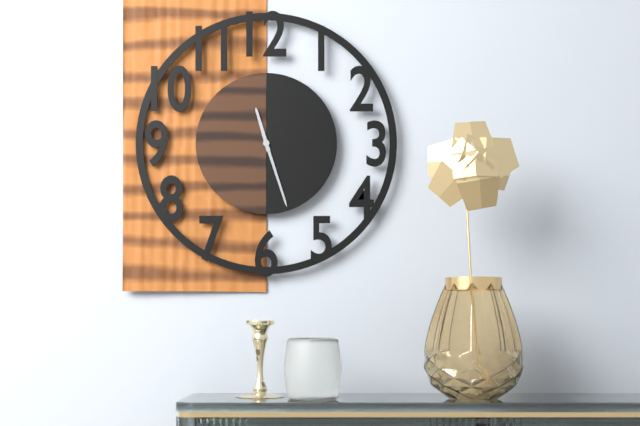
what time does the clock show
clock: 11:27
